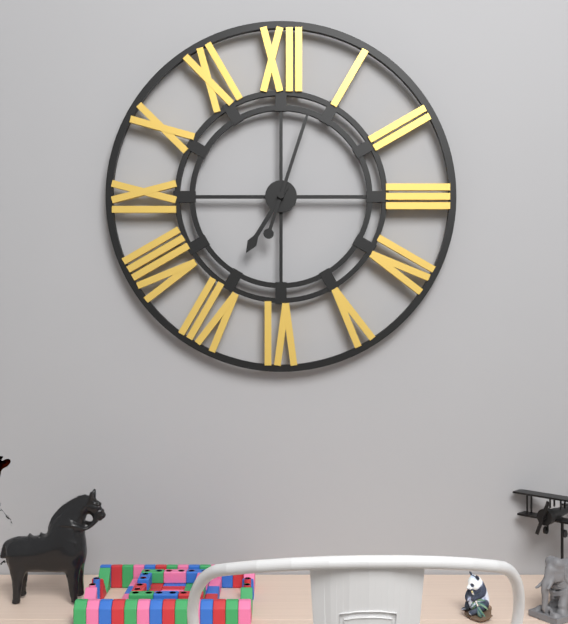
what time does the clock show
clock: 7:03
